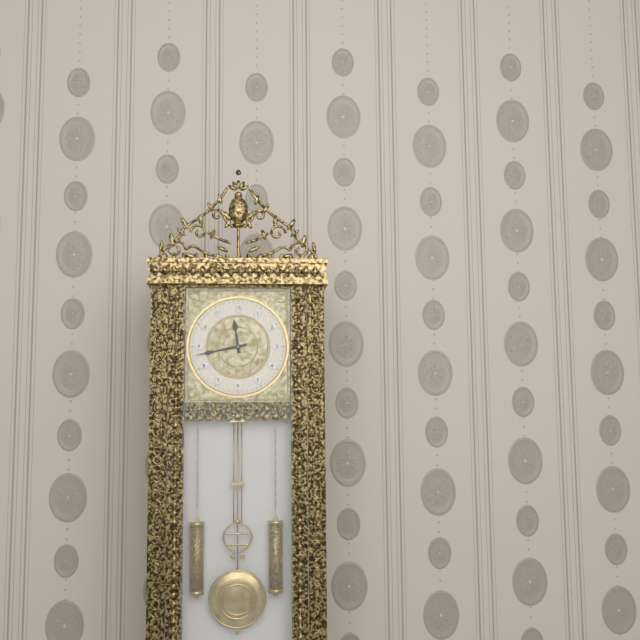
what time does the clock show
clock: 11:43
